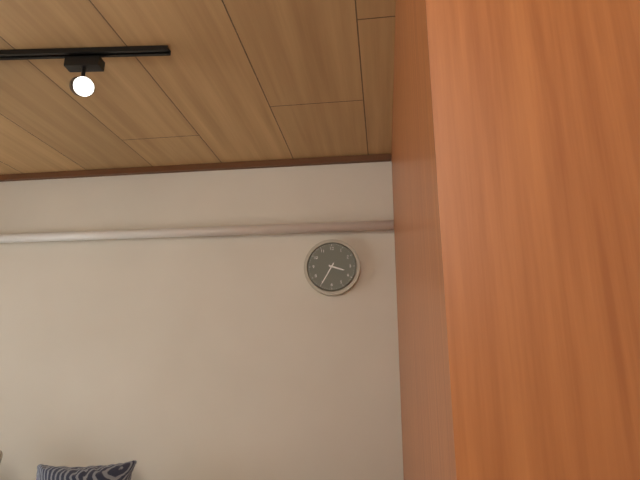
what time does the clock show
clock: 3:35
